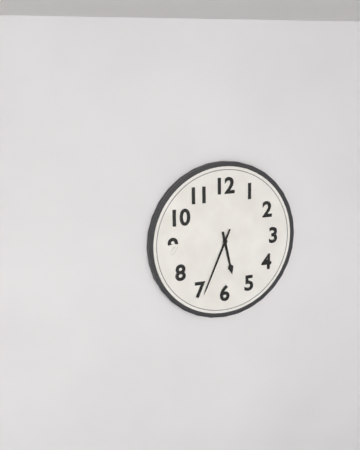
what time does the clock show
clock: 5:34
